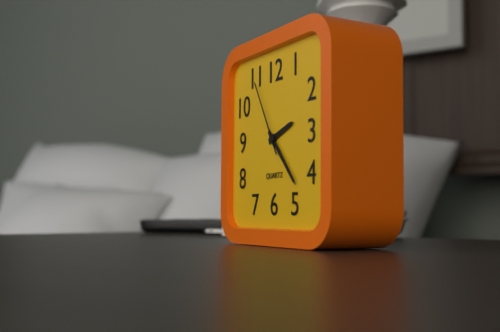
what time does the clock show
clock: 2:23:55
